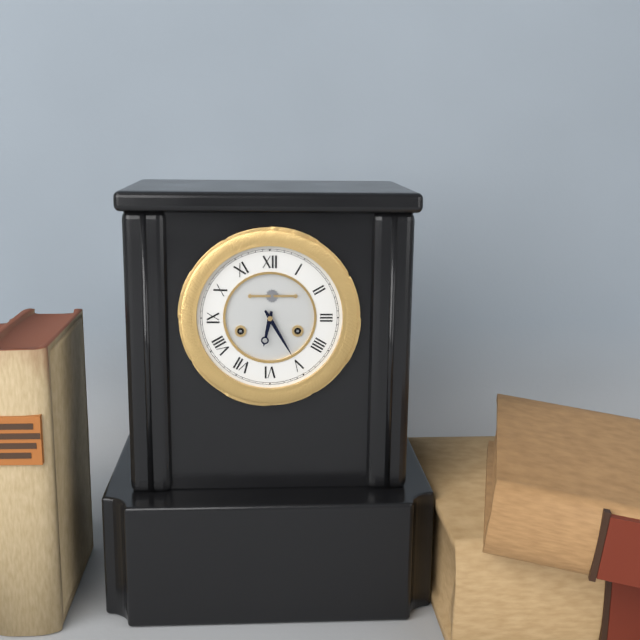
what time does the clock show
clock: 6:25
